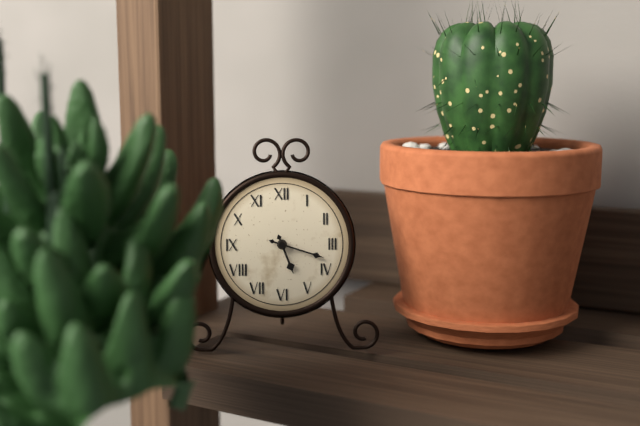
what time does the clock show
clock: 5:18
